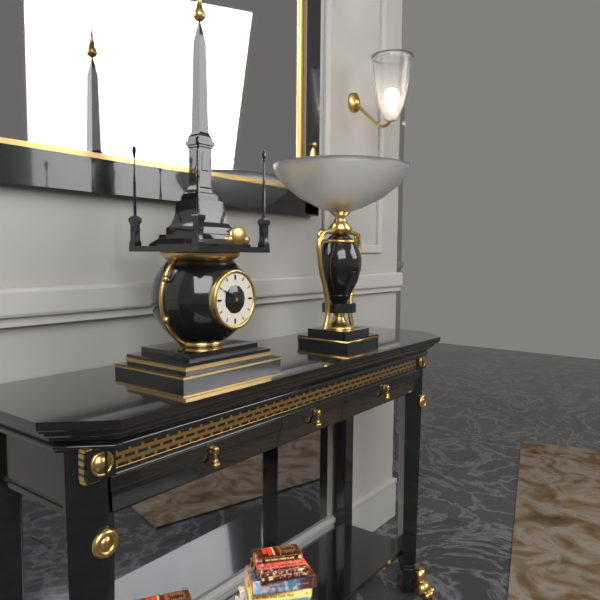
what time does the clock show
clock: 7:50
